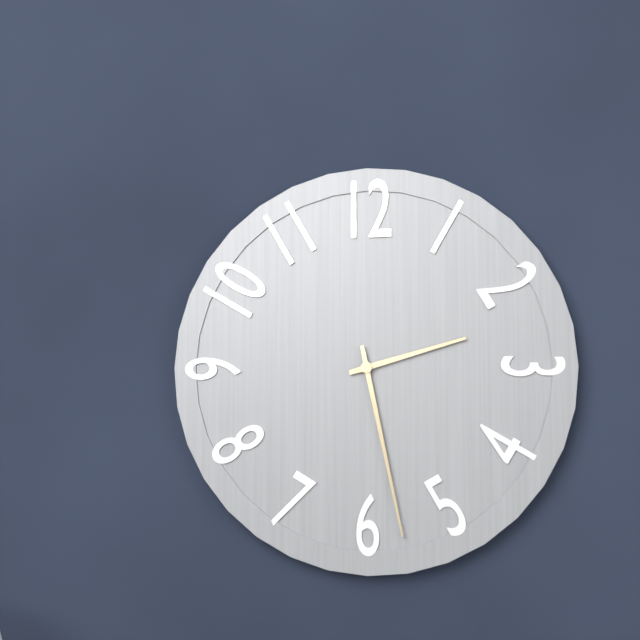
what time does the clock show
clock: 2:28
